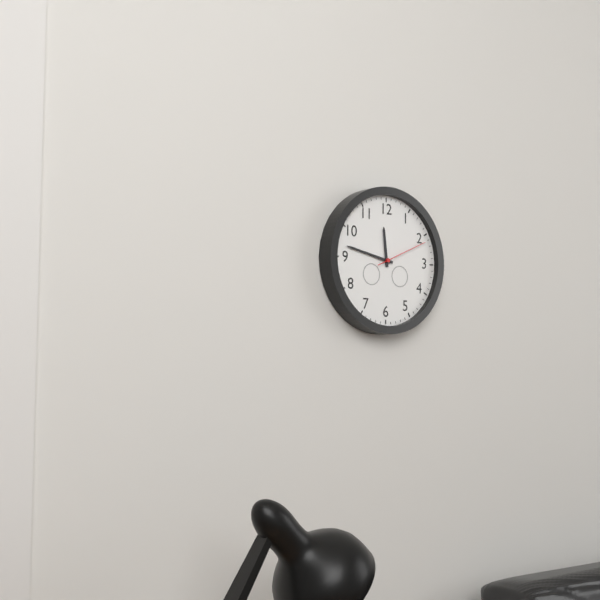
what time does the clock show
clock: 11:47:11
